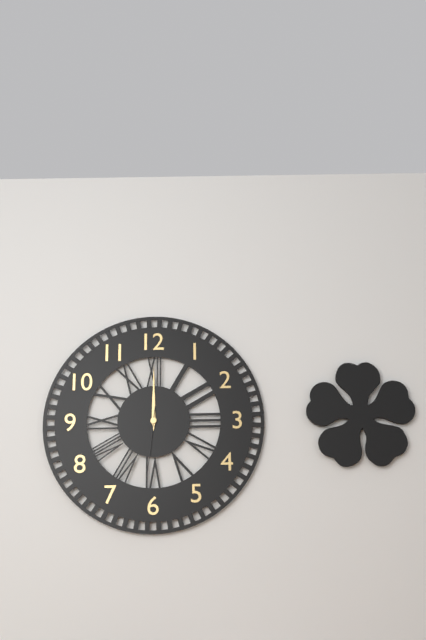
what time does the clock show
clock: 12:00:31
